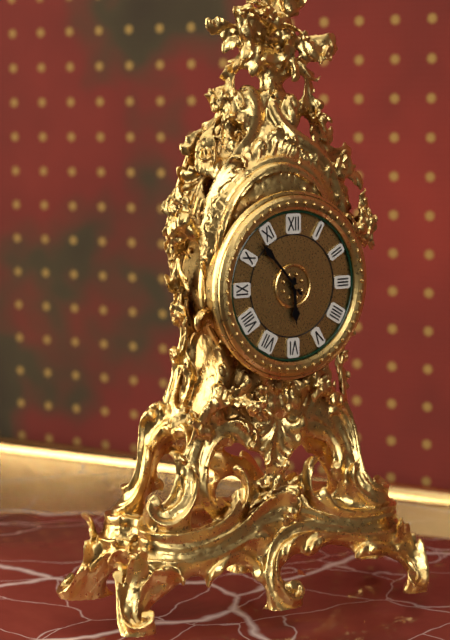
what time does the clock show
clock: 5:53
